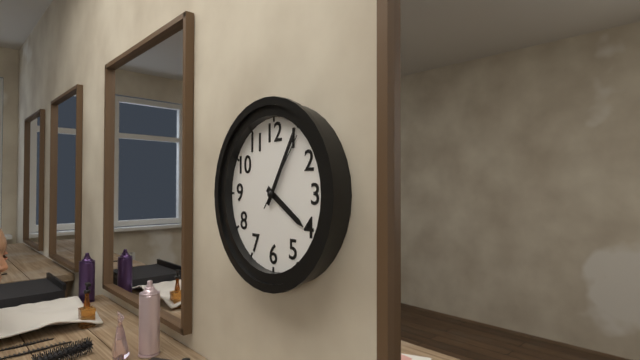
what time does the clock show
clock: 4:05:06
